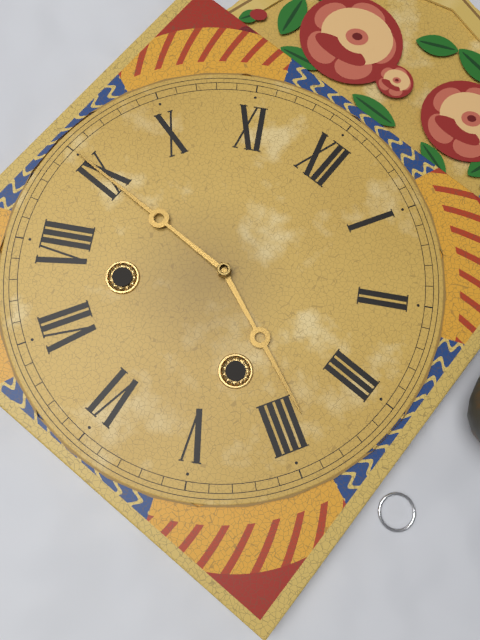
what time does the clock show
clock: 3:45
